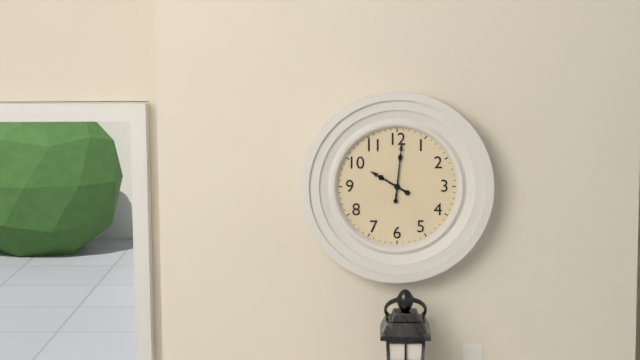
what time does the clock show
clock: 10:01
